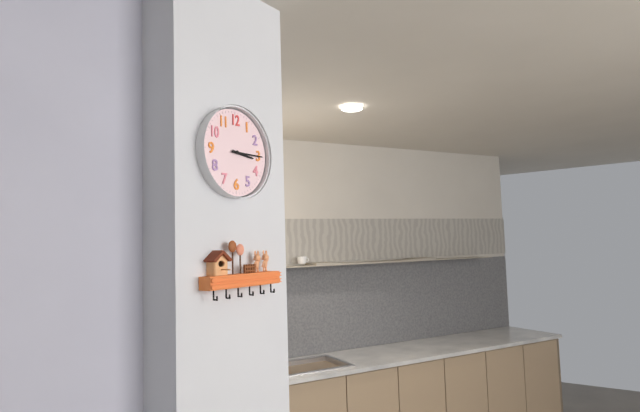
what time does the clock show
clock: 3:15
